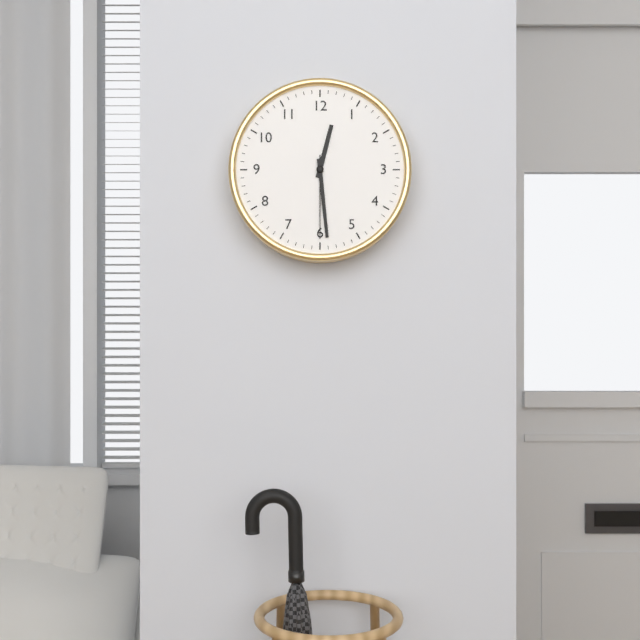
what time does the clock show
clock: 12:29:30
